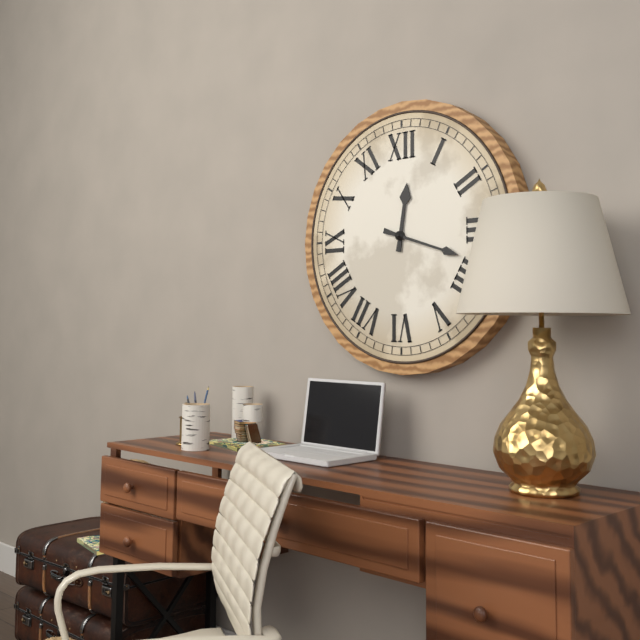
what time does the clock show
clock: 12:18
